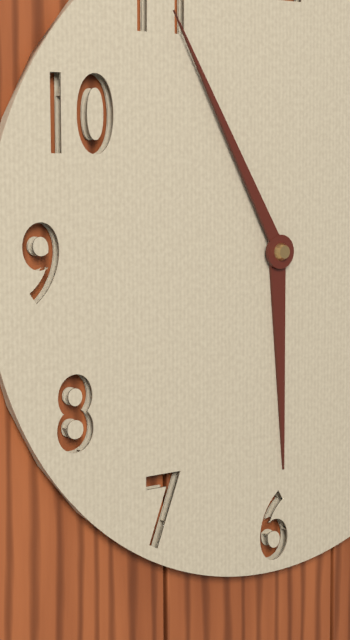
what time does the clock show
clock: 5:55
